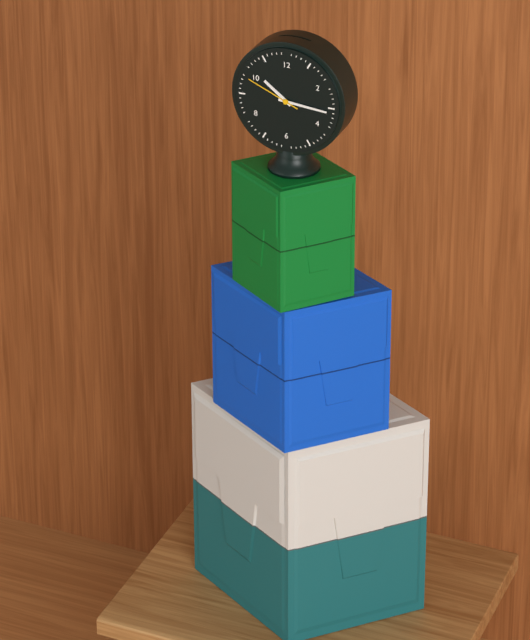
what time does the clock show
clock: 10:16:49
